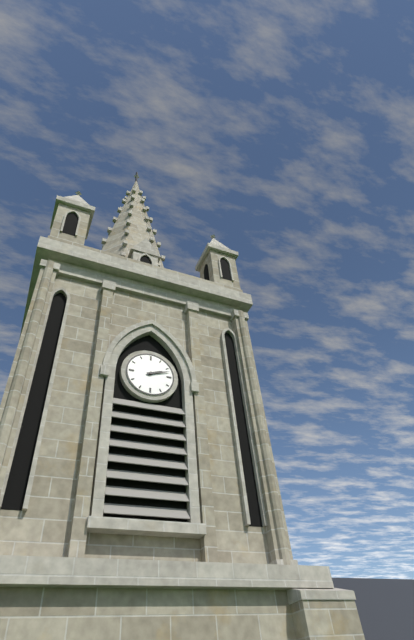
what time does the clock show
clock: 2:12
